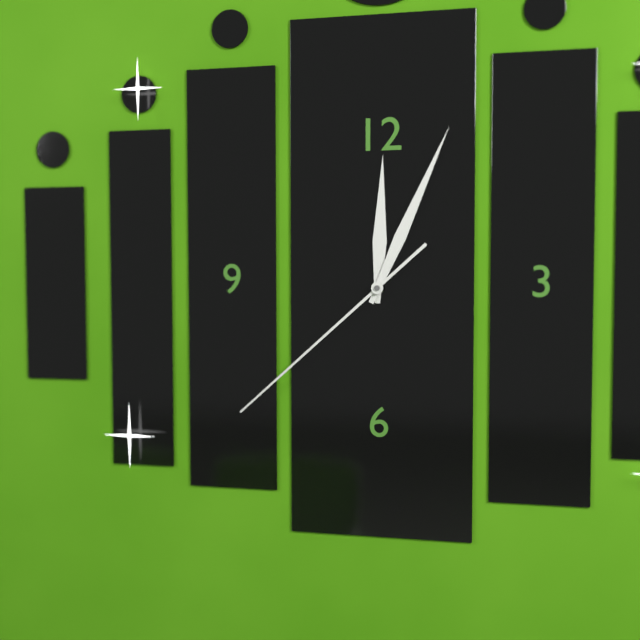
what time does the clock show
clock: 12:04:38
